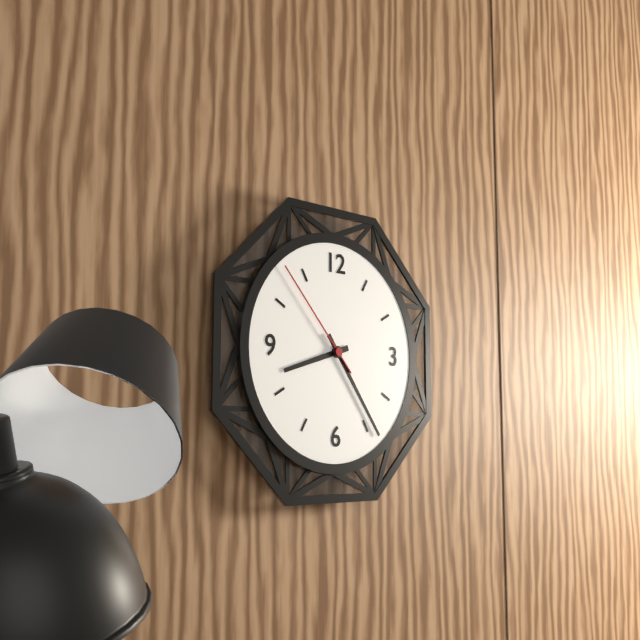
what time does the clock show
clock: 8:24:53
